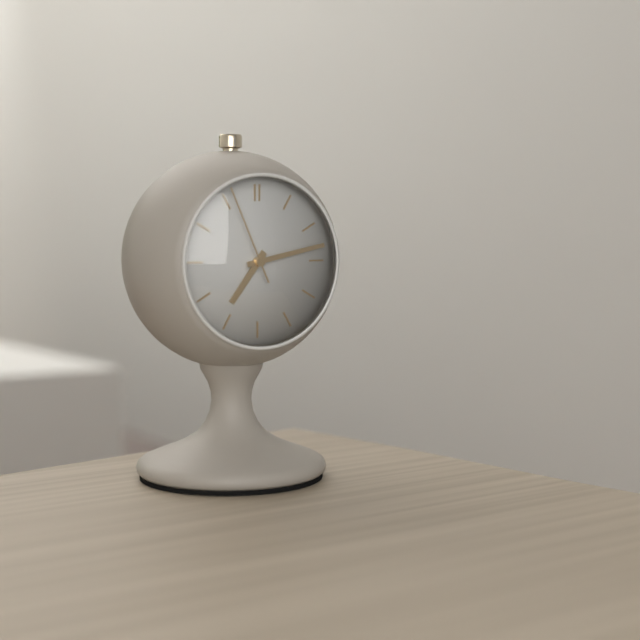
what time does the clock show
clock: 7:13:56
